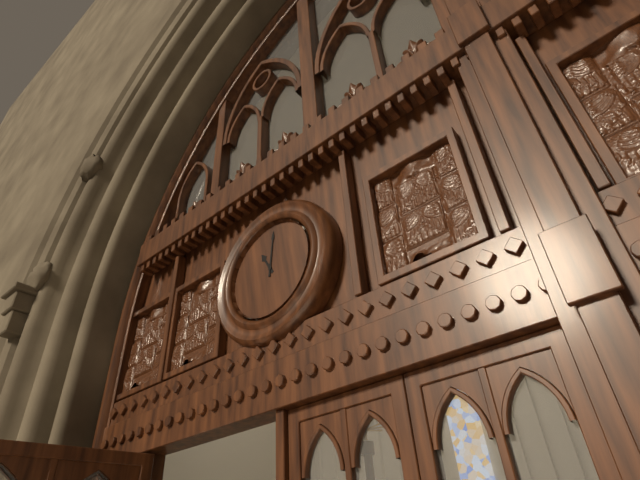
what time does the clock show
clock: 11:01
